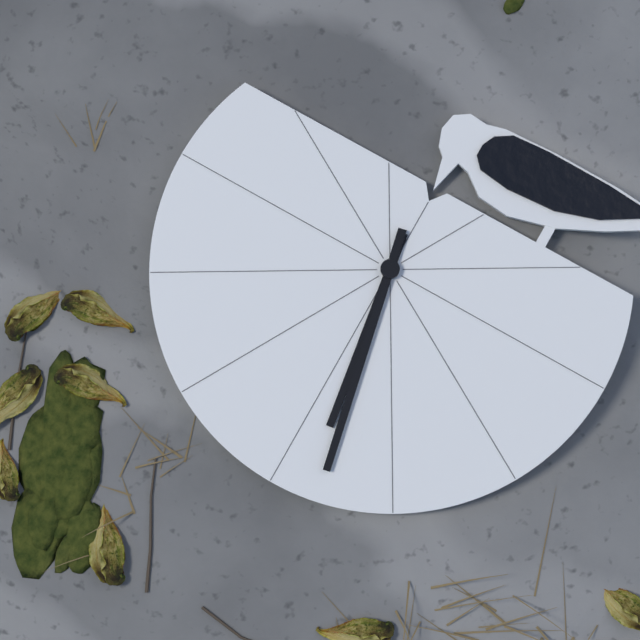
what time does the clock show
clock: 8:43
